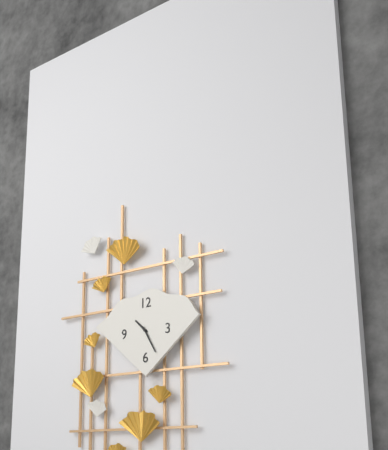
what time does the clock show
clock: 10:25
